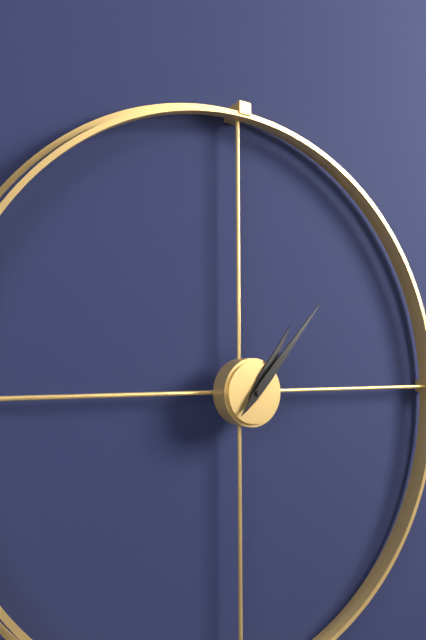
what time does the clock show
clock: 1:07
